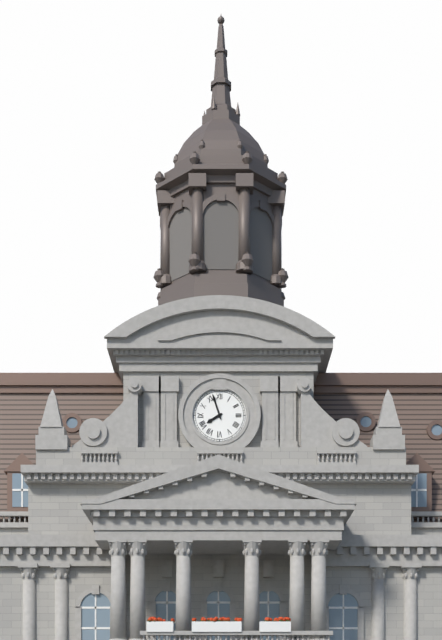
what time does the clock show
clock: 7:57
